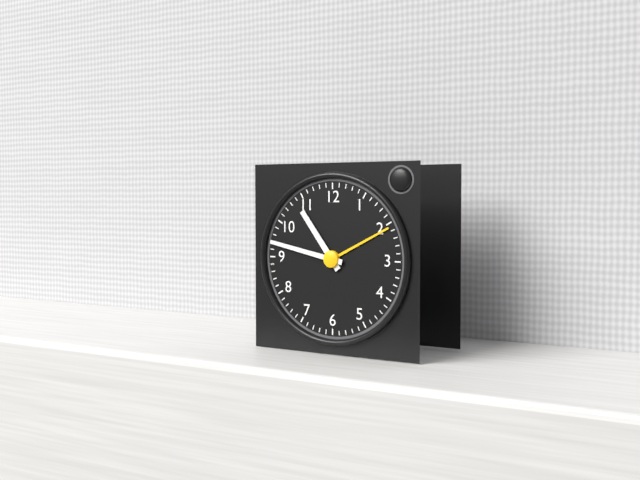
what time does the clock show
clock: 10:47
